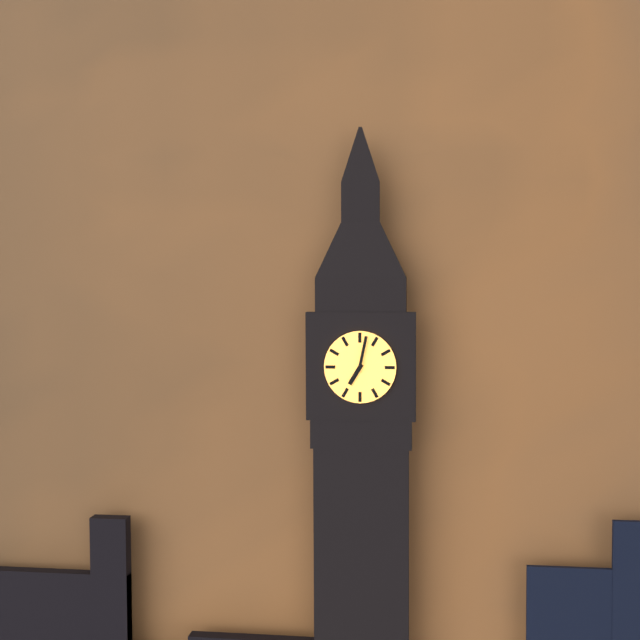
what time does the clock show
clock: 7:02
